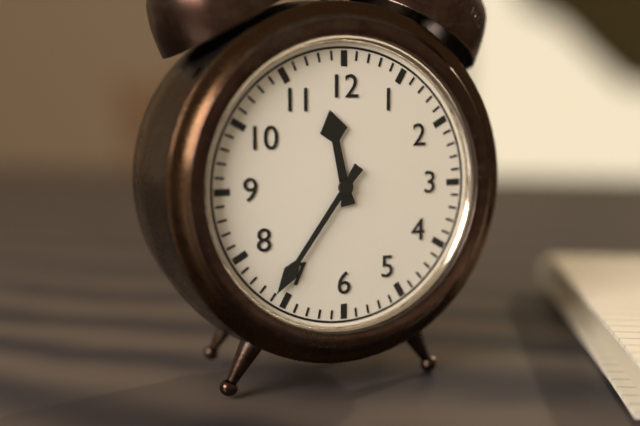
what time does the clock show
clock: 11:36
